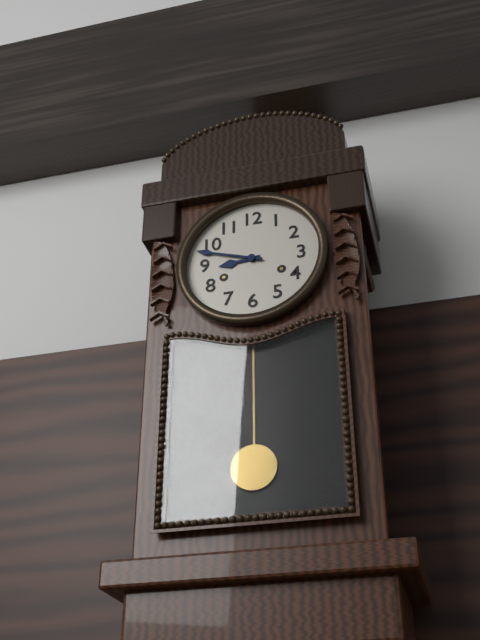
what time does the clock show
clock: 8:48
